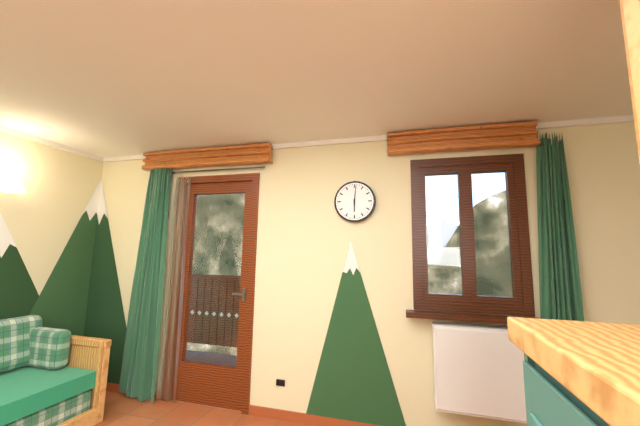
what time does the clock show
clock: 6:01
